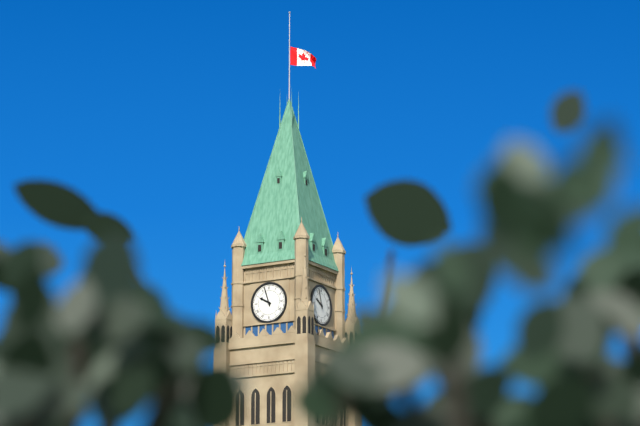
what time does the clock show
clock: 9:57
